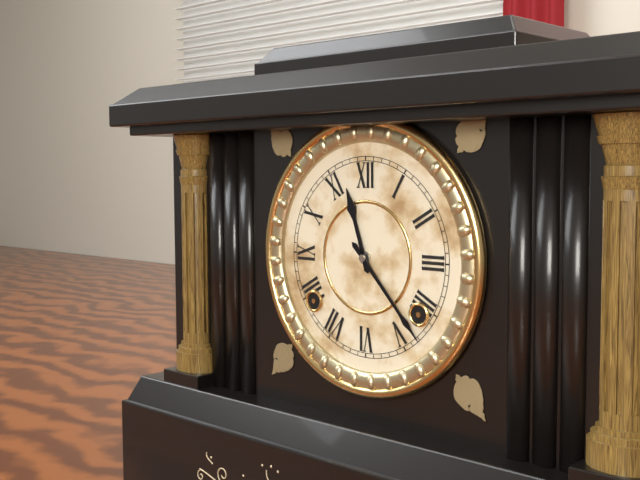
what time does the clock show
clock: 11:23
